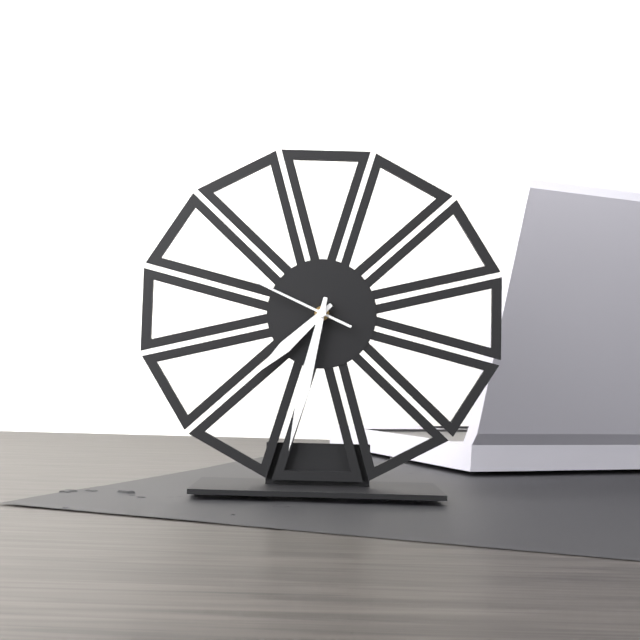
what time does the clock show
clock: 7:32:49
